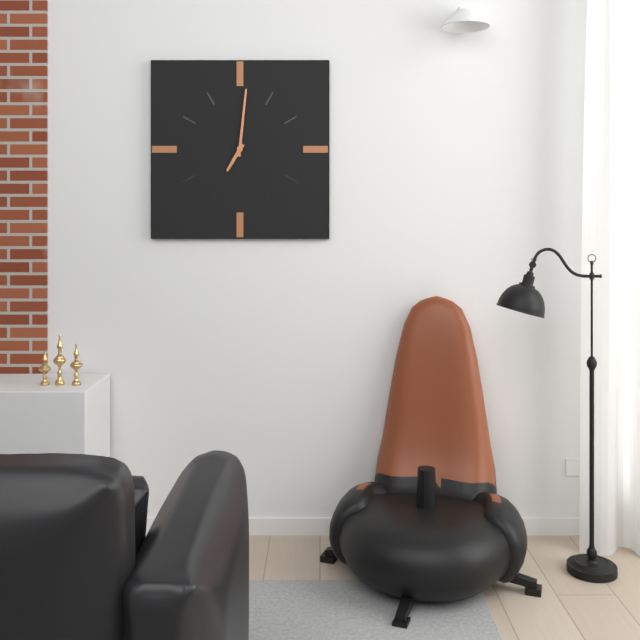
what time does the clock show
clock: 7:01
